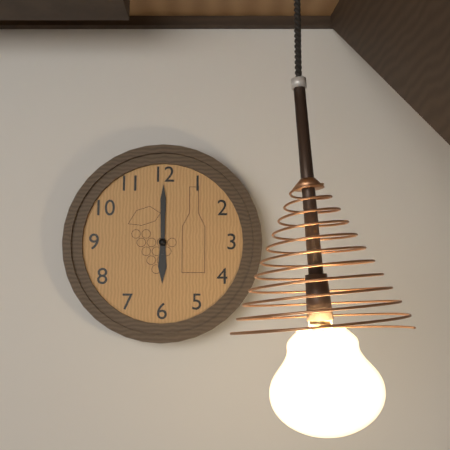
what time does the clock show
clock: 6:00
